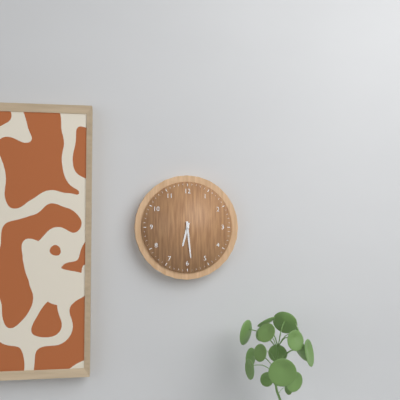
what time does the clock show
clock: 6:29
